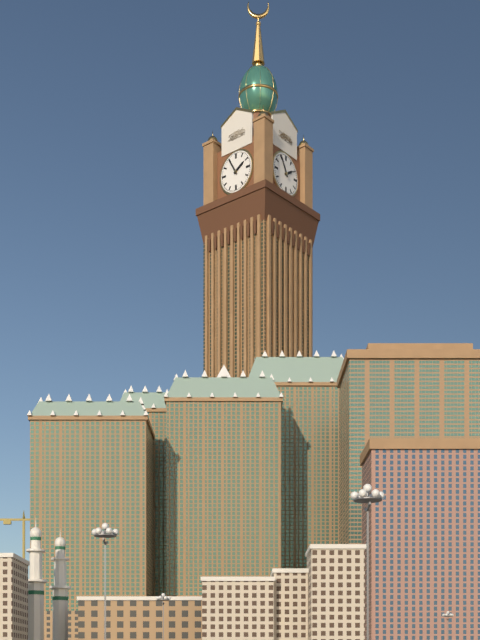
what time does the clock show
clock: 1:55
